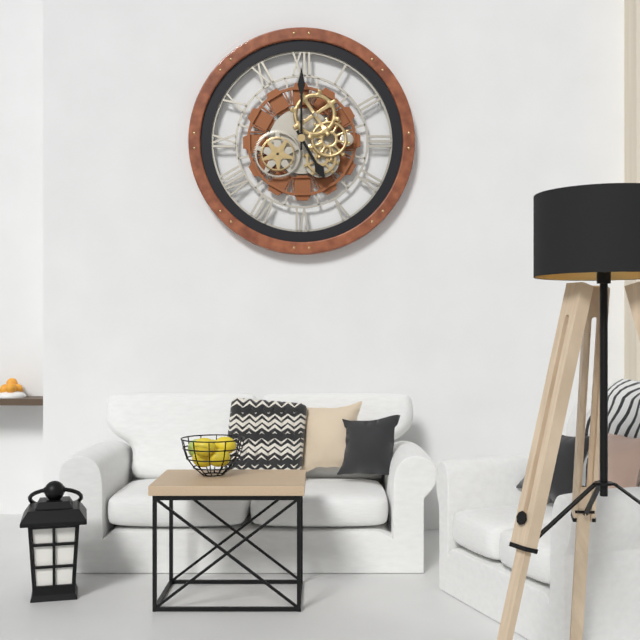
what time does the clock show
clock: 5:00
